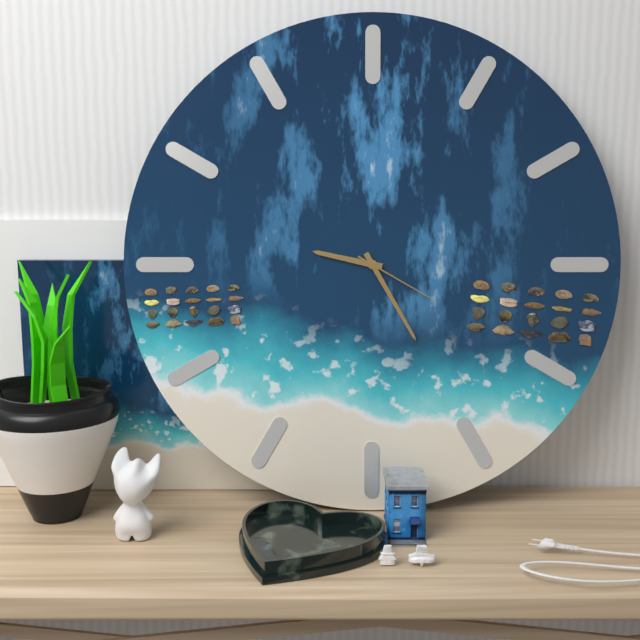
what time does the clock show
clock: 9:25:20
